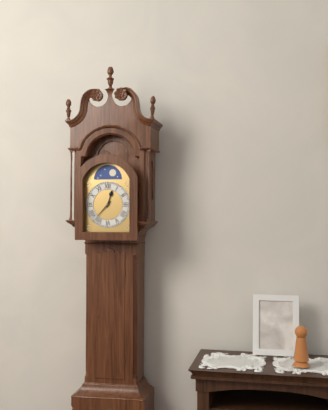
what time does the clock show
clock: 12:37
